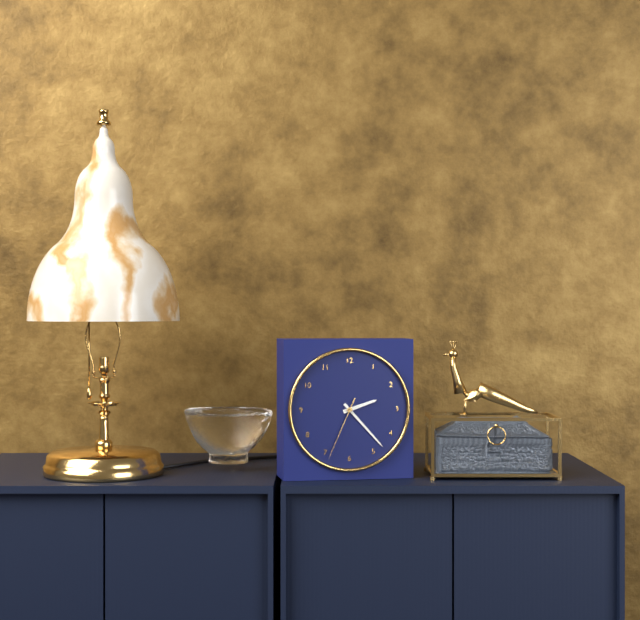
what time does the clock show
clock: 2:23:34
